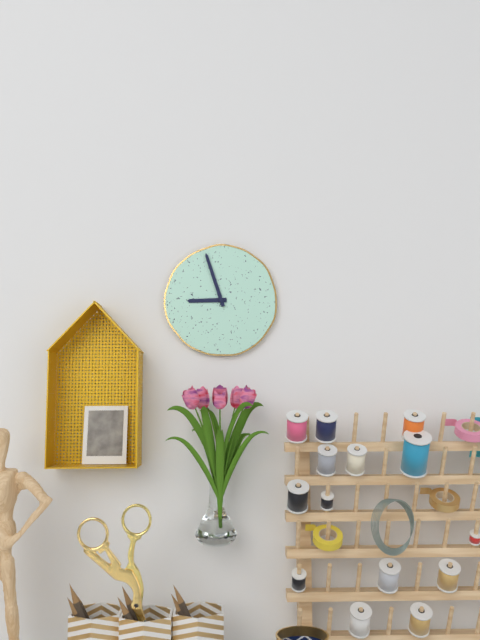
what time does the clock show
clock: 8:57
